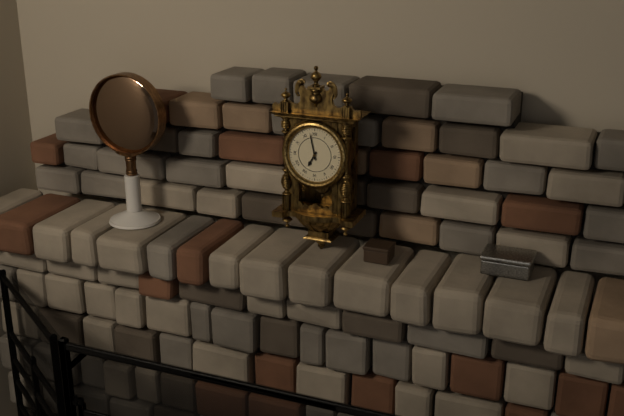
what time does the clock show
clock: 6:58
